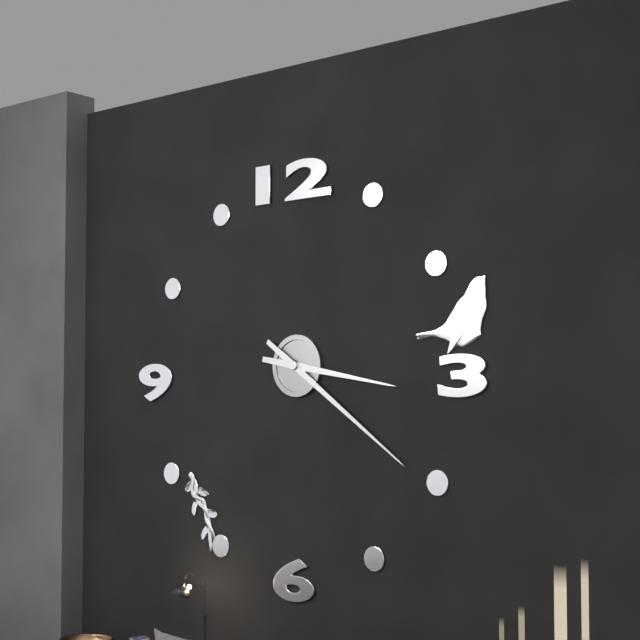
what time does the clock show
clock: 3:21
